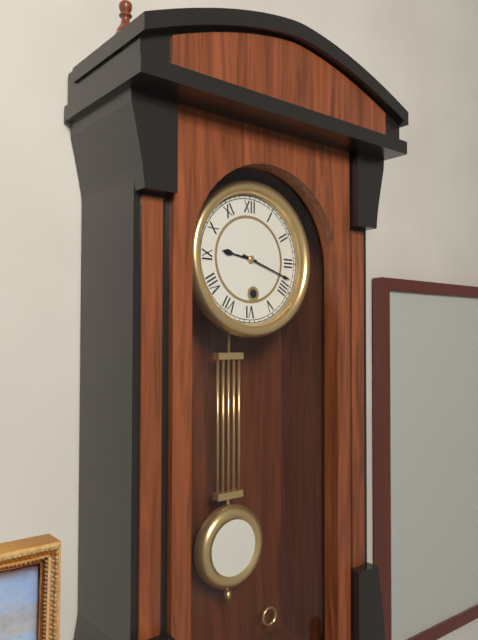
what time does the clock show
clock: 9:18
